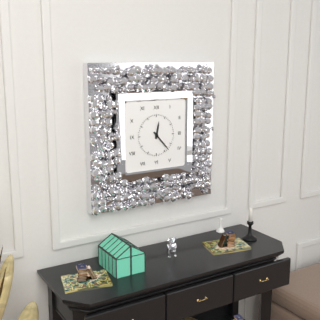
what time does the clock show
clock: 12:23
